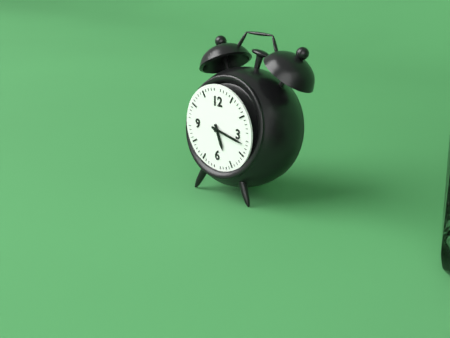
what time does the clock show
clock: 5:17
